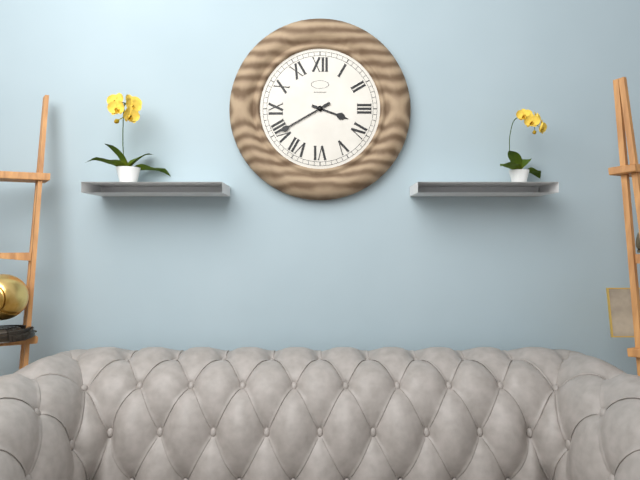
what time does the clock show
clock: 3:40
